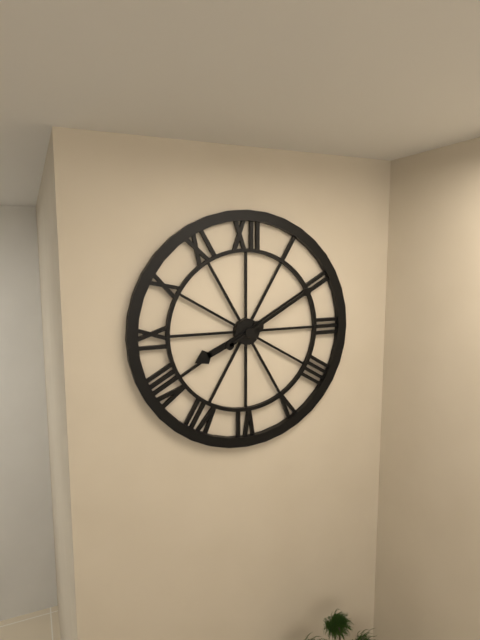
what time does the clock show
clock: 8:10
